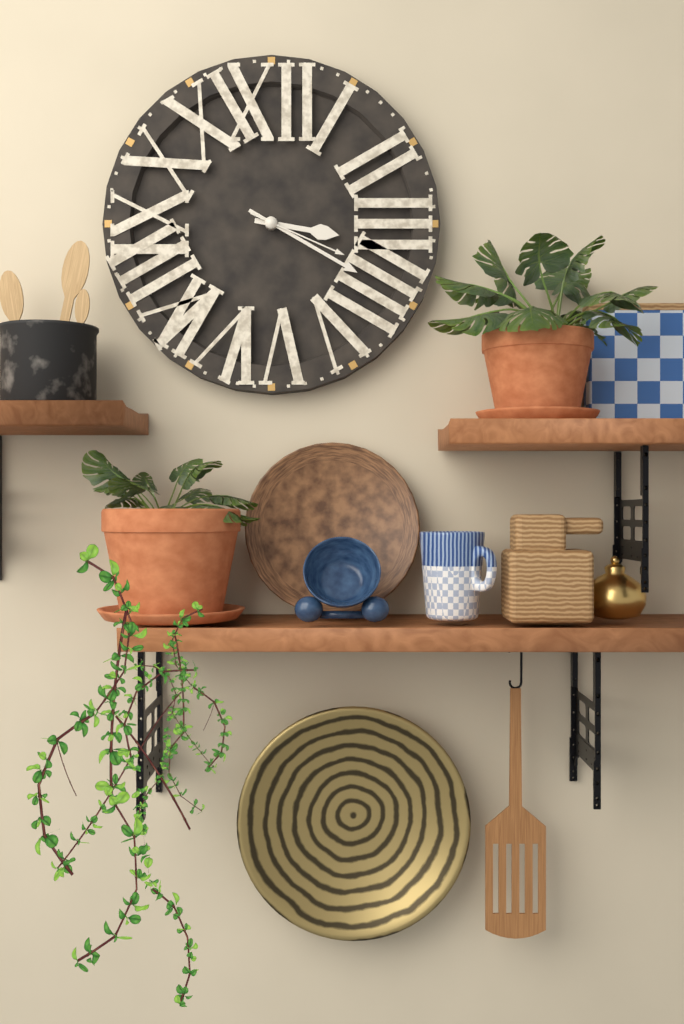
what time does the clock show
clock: 3:20:19
